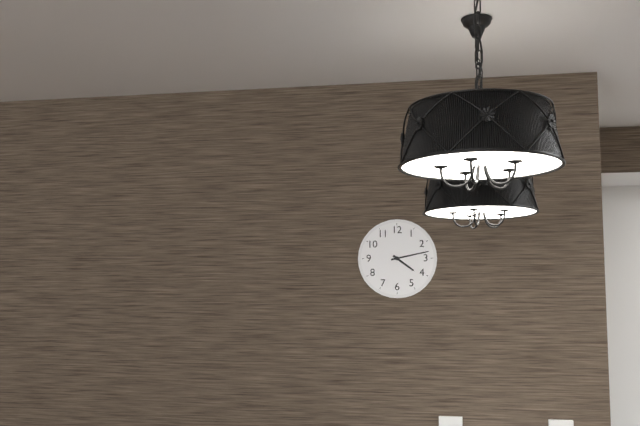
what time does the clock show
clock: 4:13
